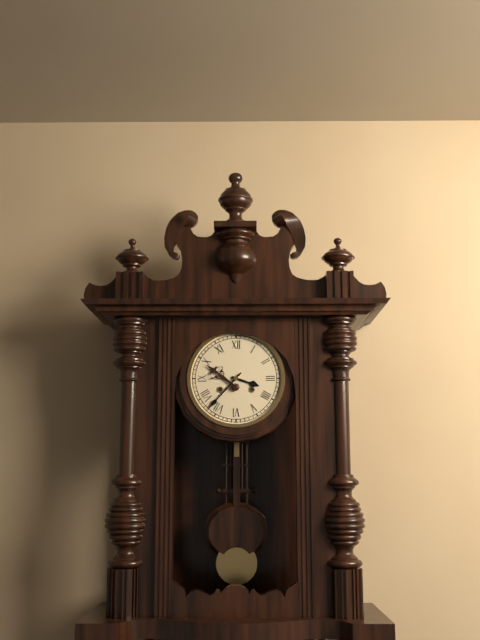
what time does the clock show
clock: 3:37
